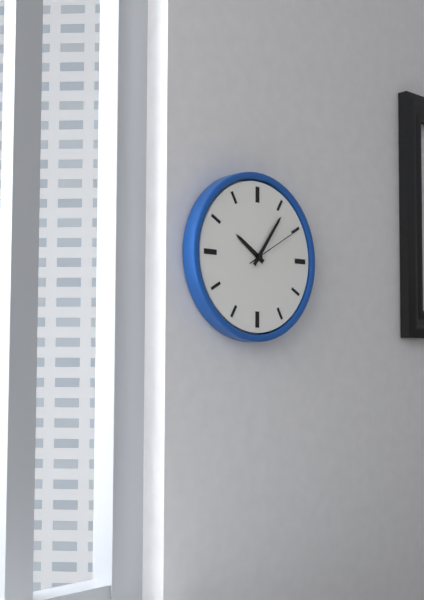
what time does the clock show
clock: 10:06:10
